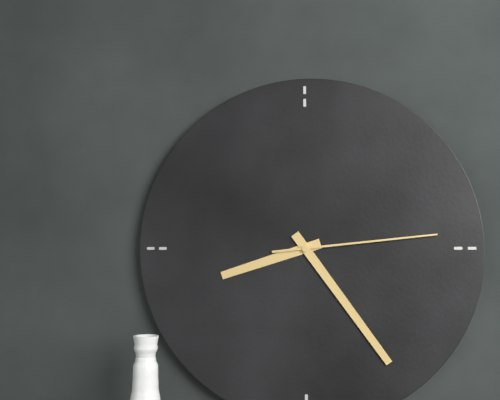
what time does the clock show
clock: 8:24:14
